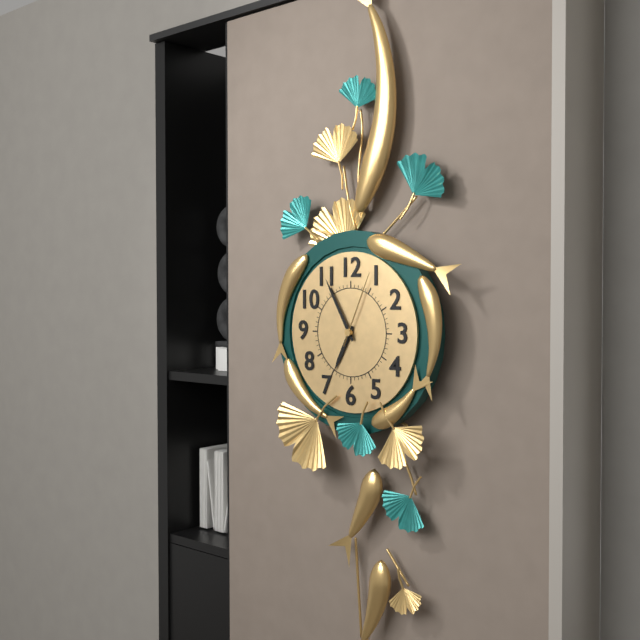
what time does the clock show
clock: 6:55:04
